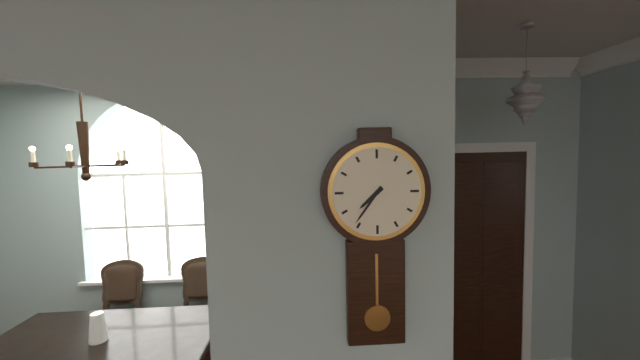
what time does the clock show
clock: 7:36
